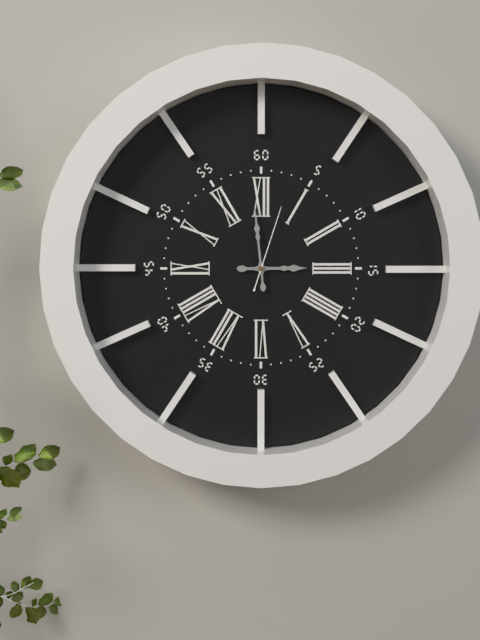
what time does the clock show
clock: 2:59:03
